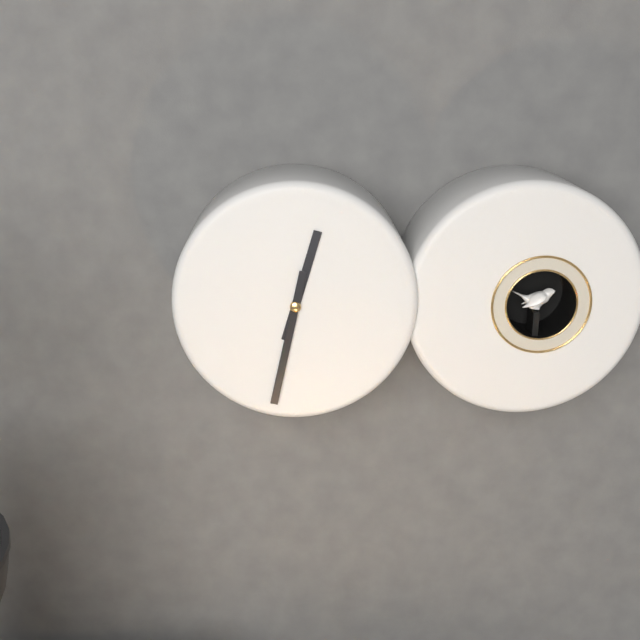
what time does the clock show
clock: 12:32
